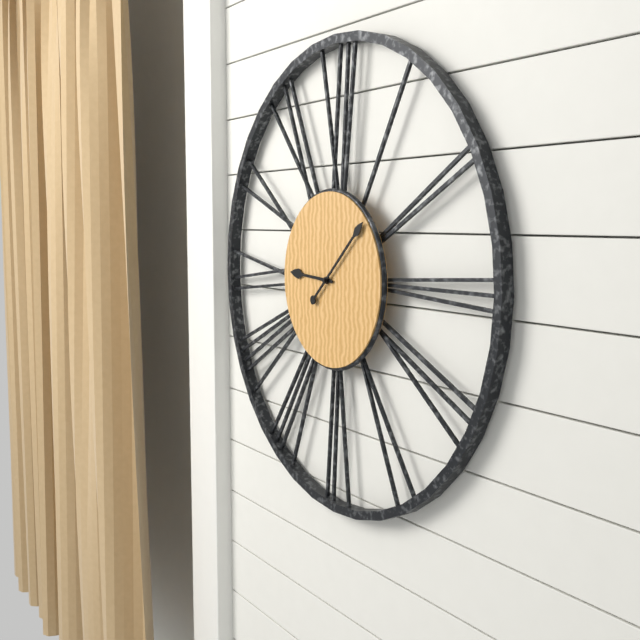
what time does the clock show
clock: 9:08
